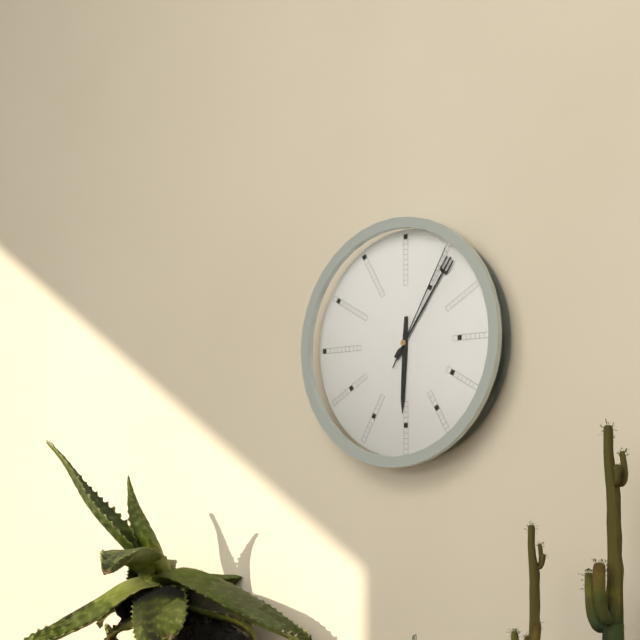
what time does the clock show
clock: 6:06:05
